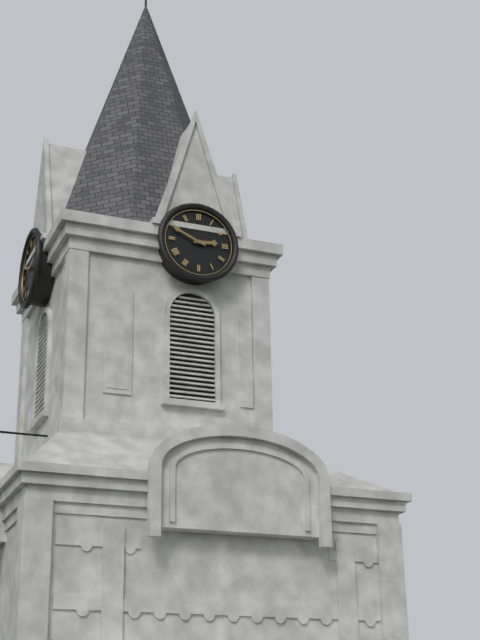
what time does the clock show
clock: 2:49
